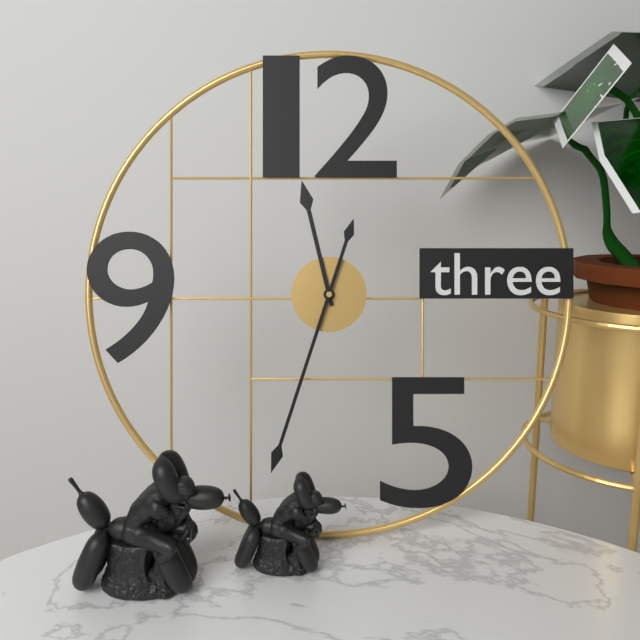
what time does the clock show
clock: 11:33
